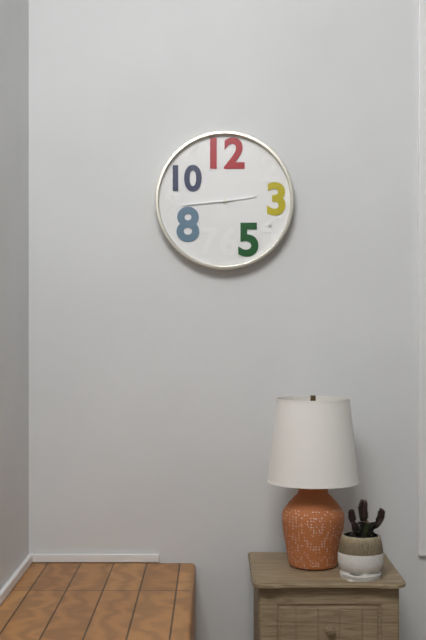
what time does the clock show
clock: 2:44
